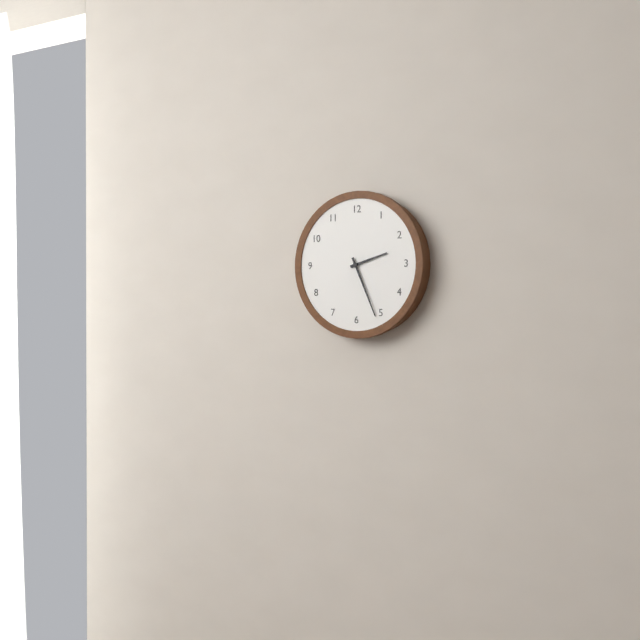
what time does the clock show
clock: 2:26
